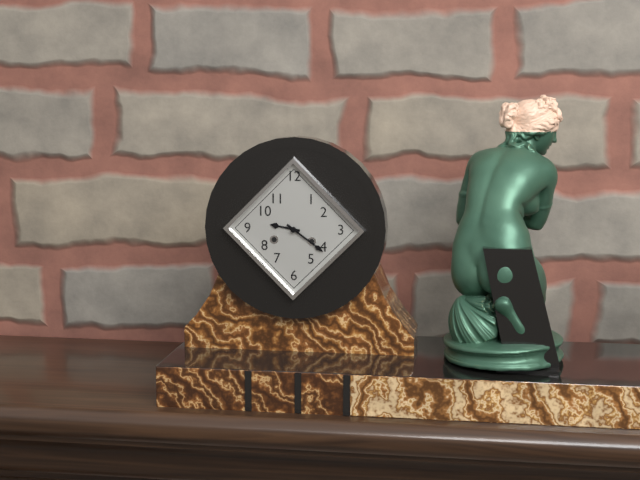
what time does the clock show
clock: 9:21
